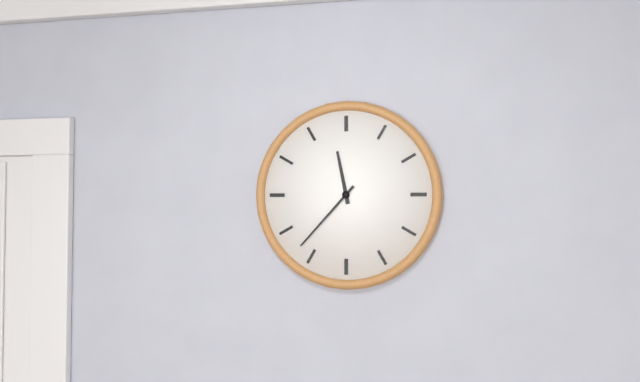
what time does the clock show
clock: 11:37
